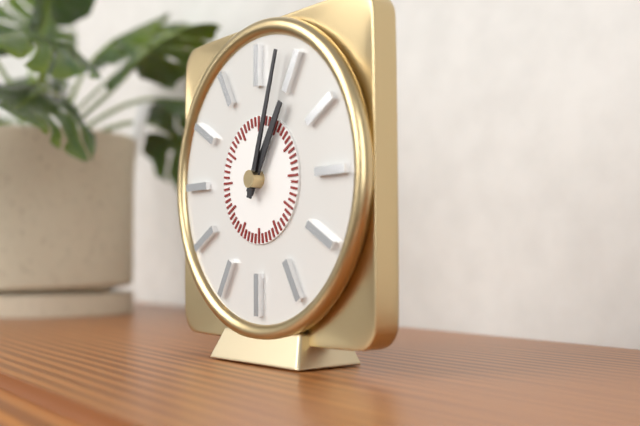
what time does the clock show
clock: 1:03
